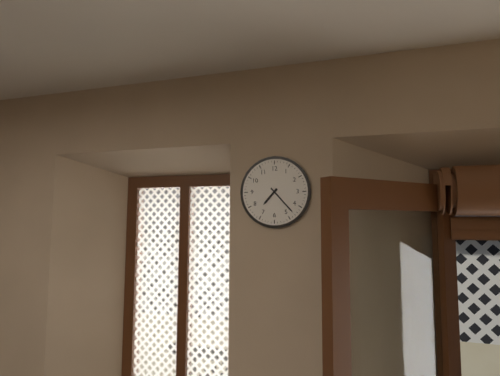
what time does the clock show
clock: 7:23
